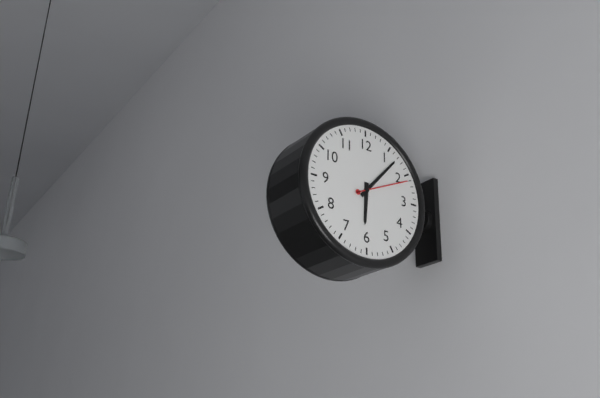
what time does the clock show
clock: 6:07:11
